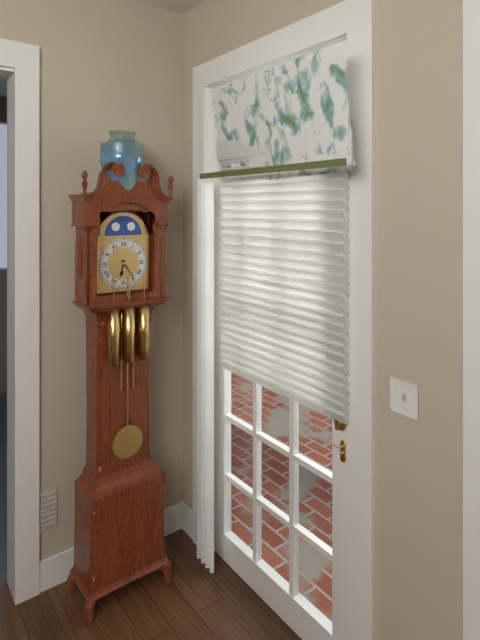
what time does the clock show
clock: 6:24
